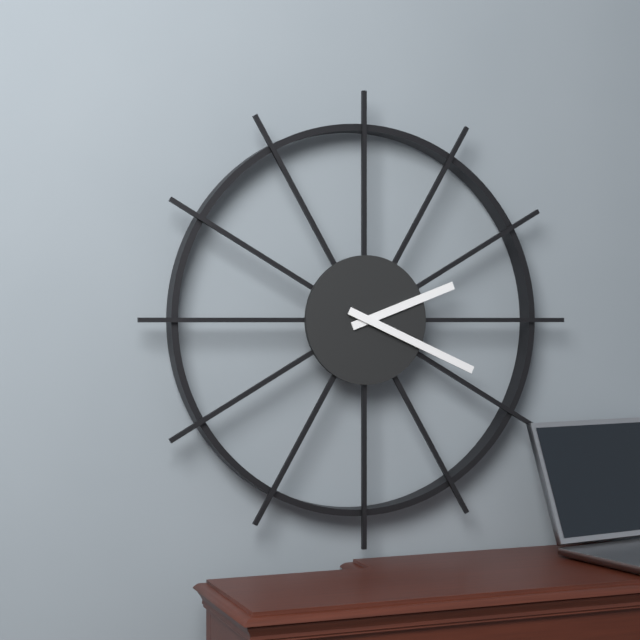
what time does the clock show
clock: 2:19
